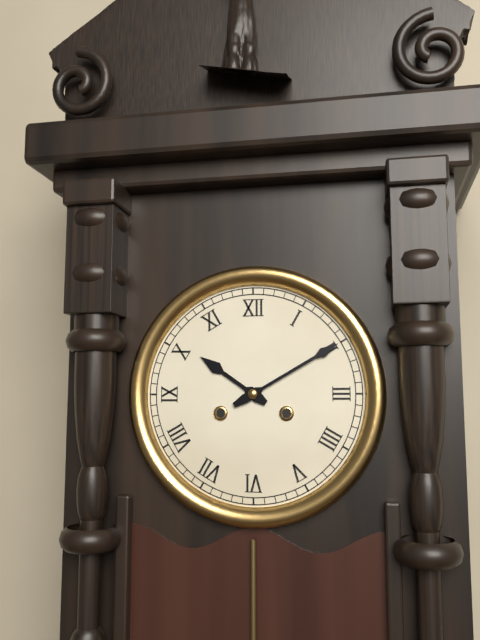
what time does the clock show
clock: 10:10
